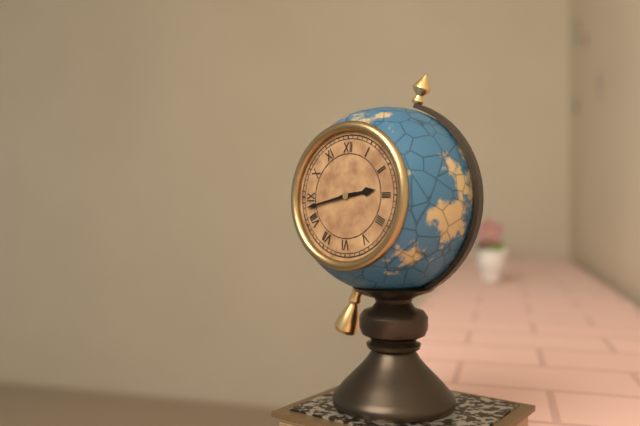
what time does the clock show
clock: 2:43
